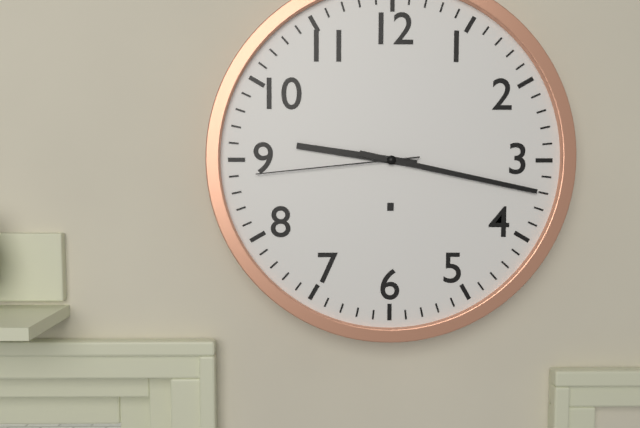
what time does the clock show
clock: 9:17:44
